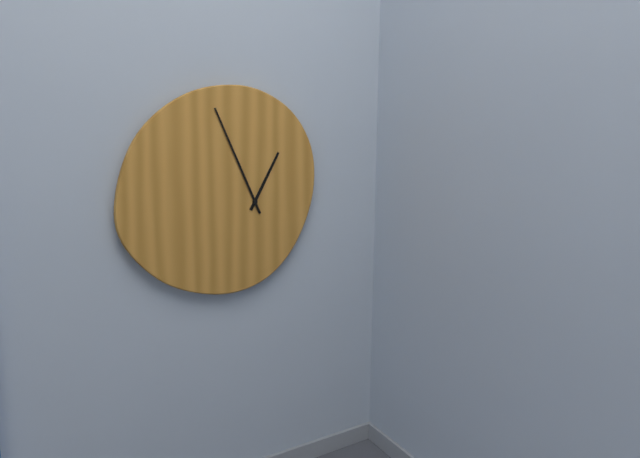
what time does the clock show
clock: 12:56
